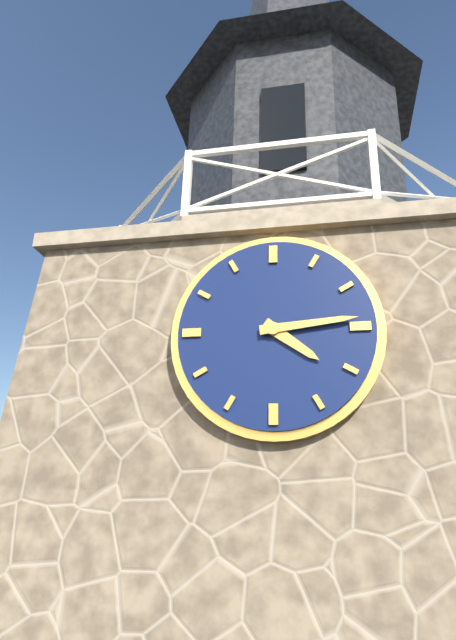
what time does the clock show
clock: 4:14
